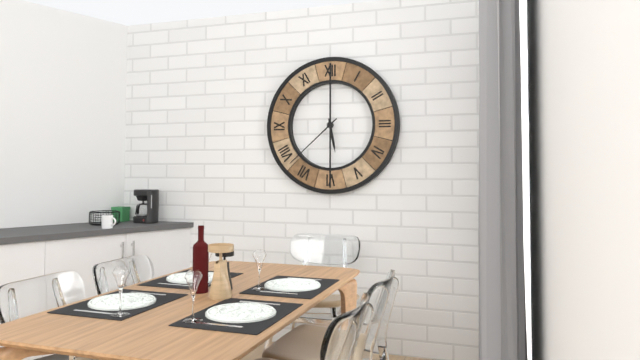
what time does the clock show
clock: 5:38
